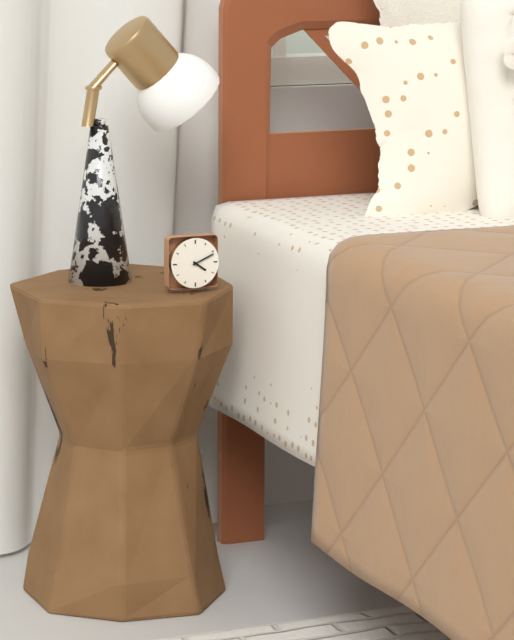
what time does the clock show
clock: 4:11
